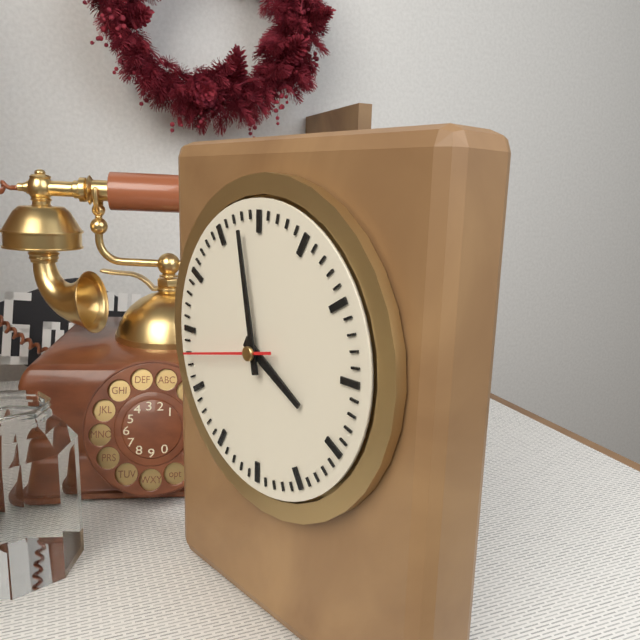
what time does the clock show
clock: 3:58:43
